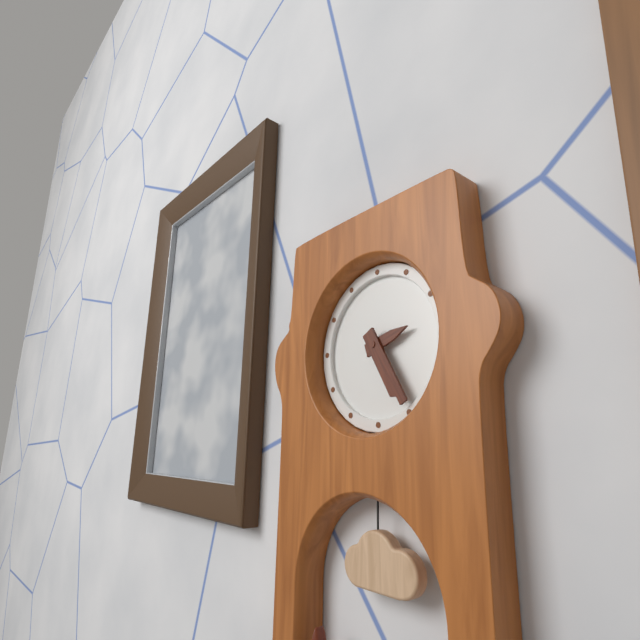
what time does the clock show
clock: 2:25
